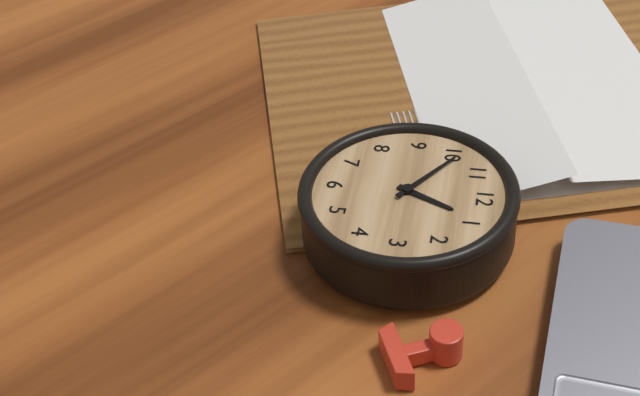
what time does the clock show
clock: 12:51
